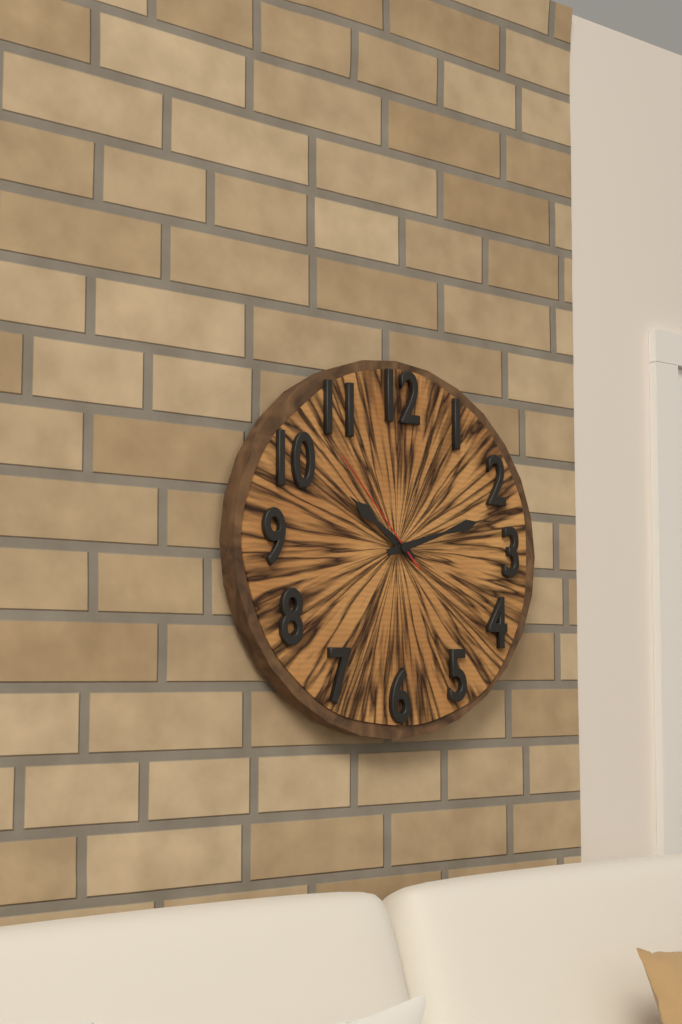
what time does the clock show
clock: 10:12:53
